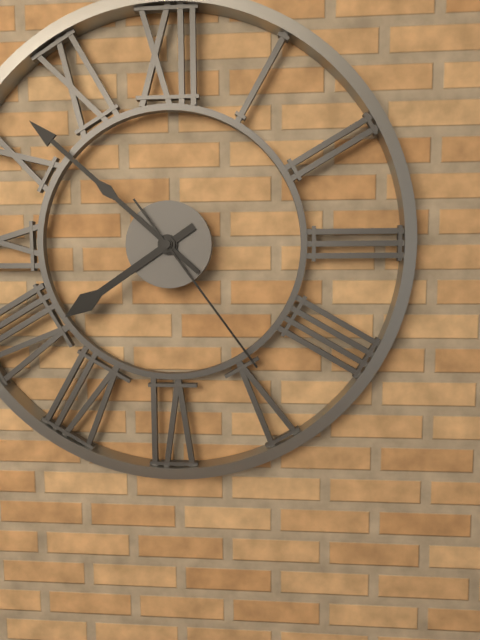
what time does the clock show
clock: 7:52:24
